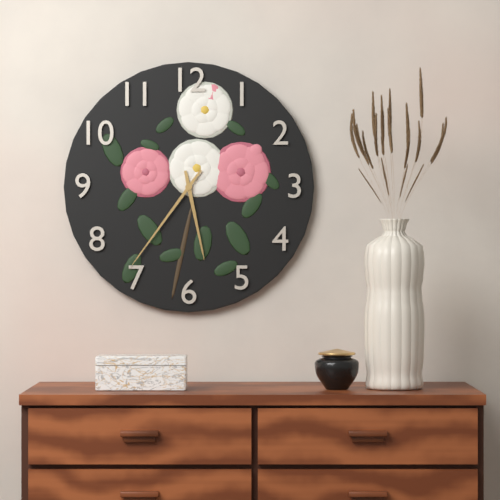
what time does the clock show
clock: 5:36
